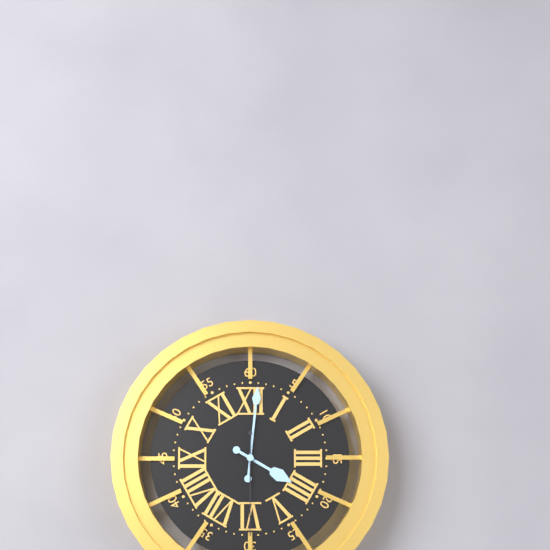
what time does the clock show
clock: 4:01:30
